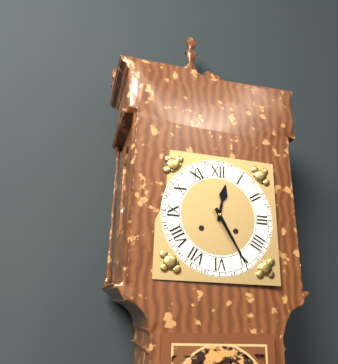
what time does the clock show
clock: 12:25
